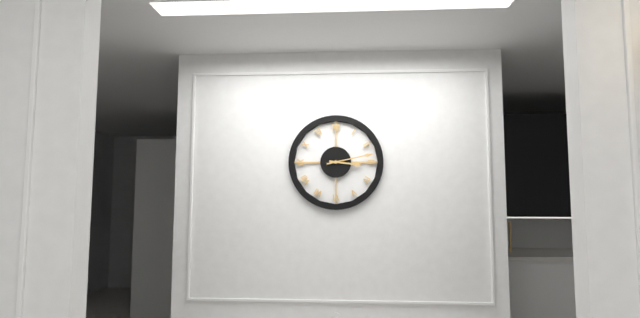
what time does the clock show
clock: 3:13
